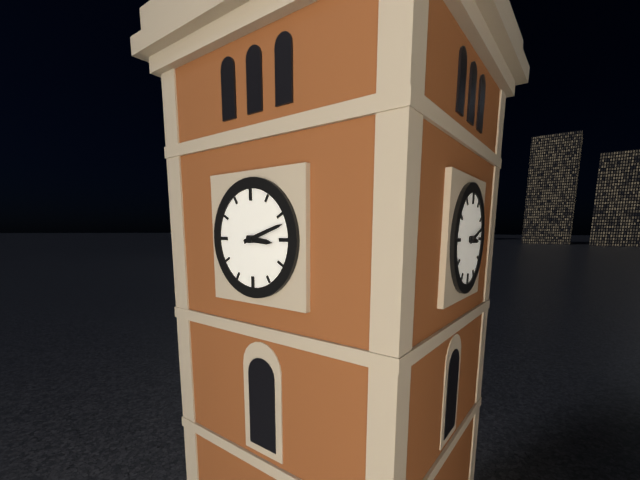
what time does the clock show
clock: 3:12
